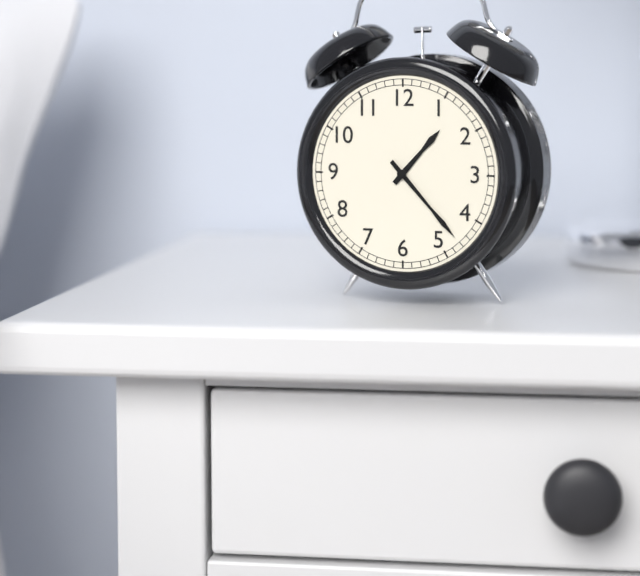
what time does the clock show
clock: 1:23
